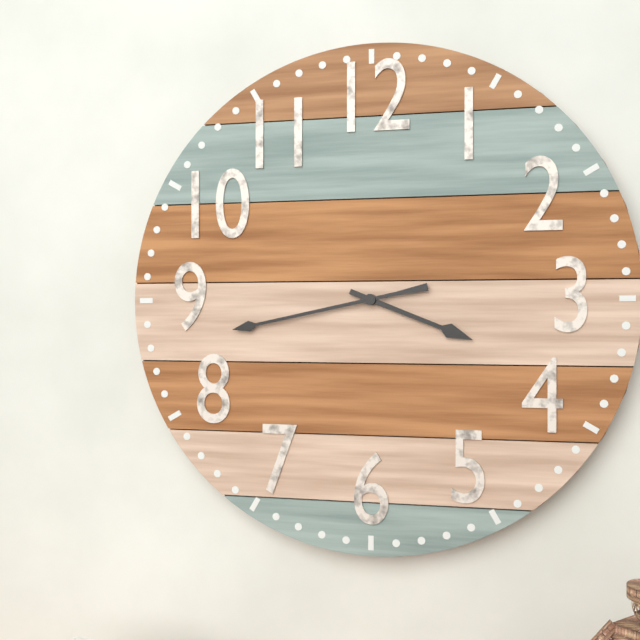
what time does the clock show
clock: 3:43
